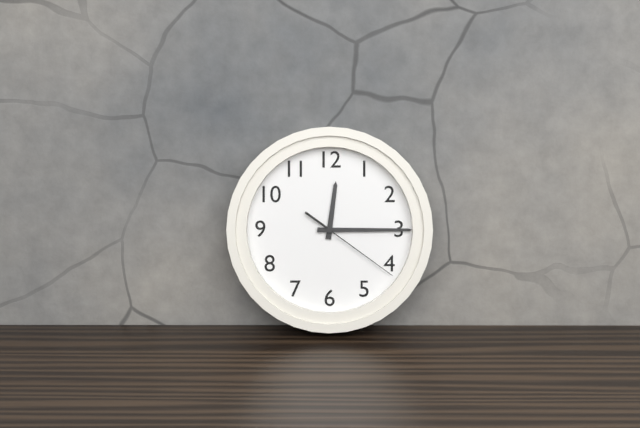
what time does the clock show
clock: 12:15:21
